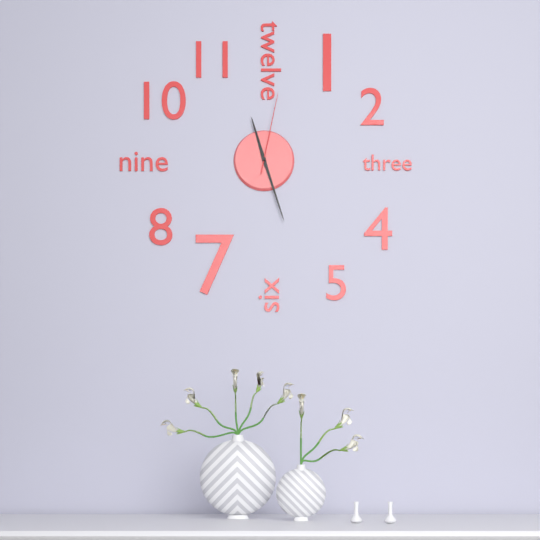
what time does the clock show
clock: 11:27:02
